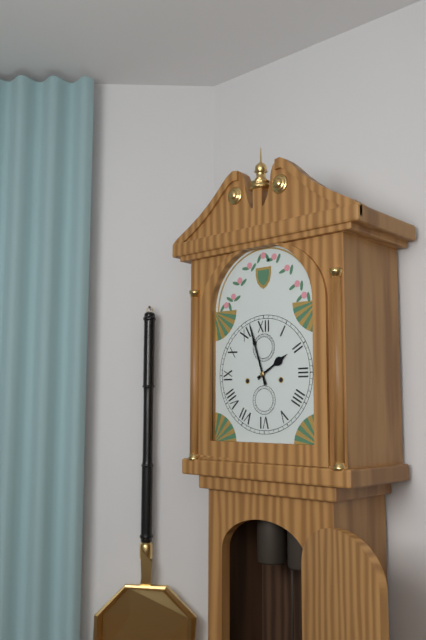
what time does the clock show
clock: 1:57
